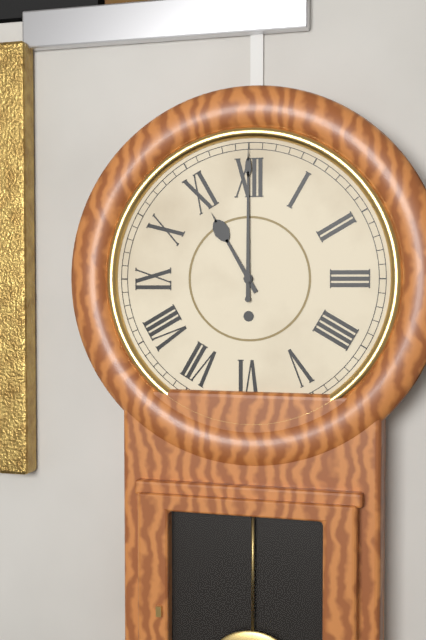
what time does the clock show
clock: 11:00
